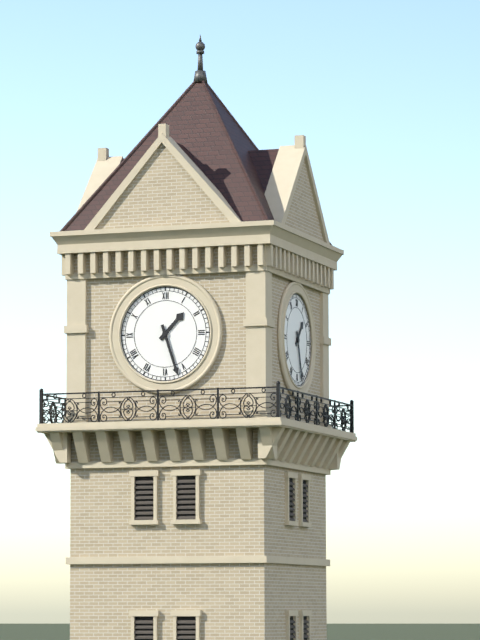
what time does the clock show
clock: 1:27
